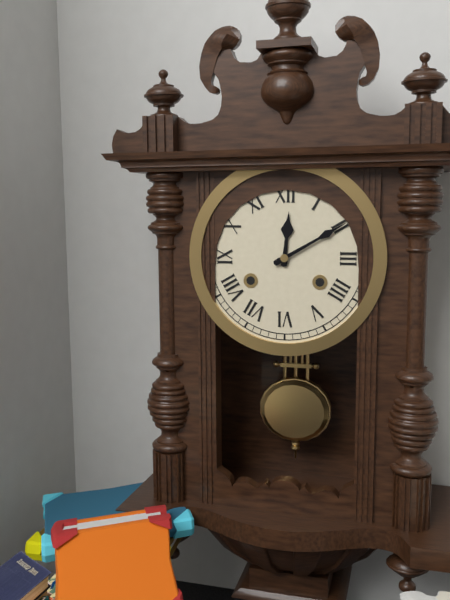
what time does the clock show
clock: 12:10
